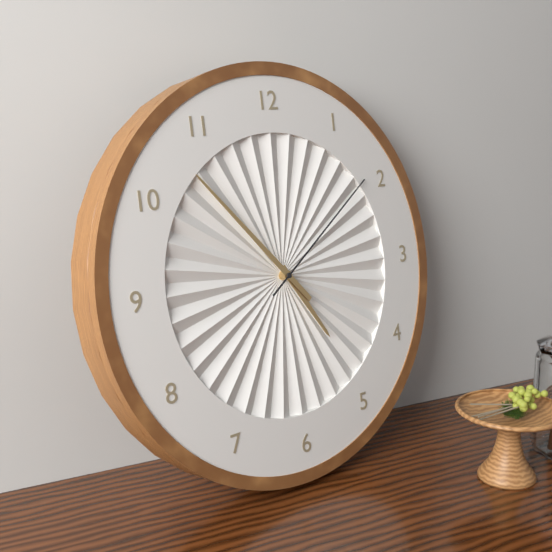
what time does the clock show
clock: 4:53:09
